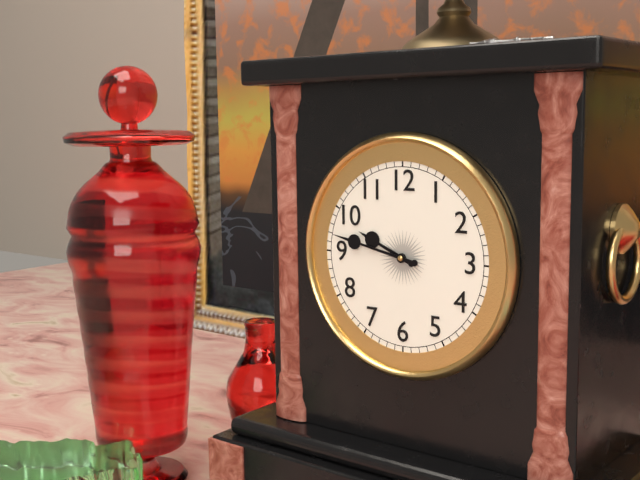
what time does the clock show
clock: 9:47
